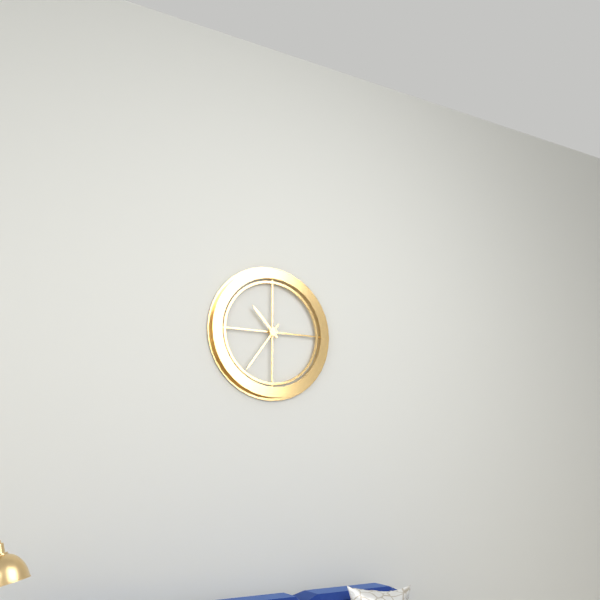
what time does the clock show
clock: 10:36
